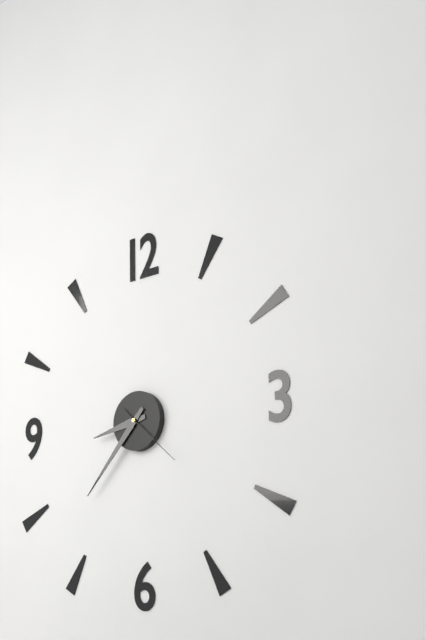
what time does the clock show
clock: 8:37:22
